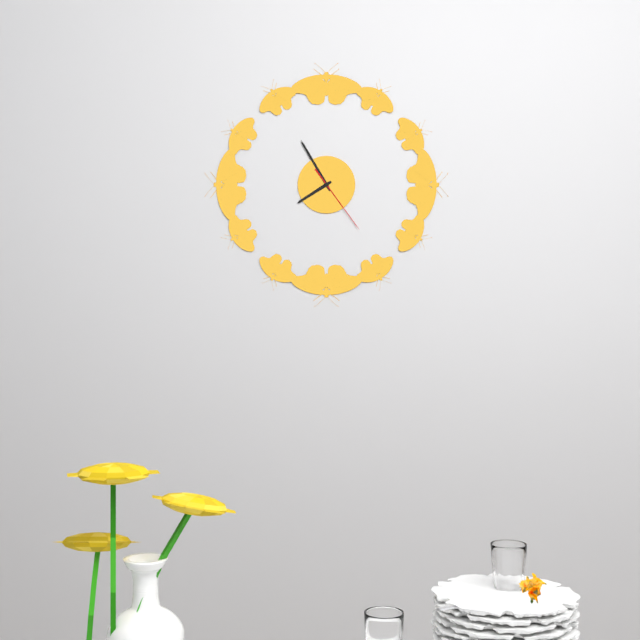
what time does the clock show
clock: 7:55:24
